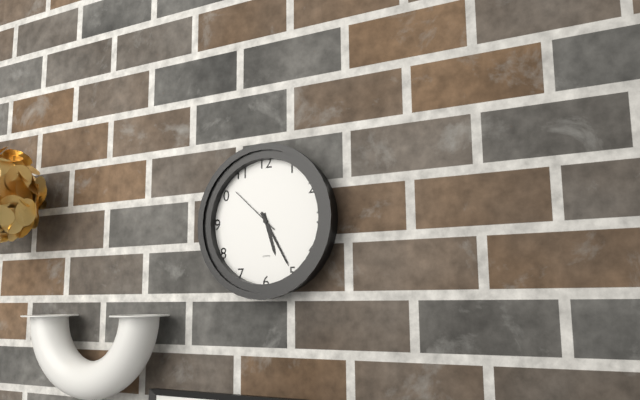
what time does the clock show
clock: 5:25:52
